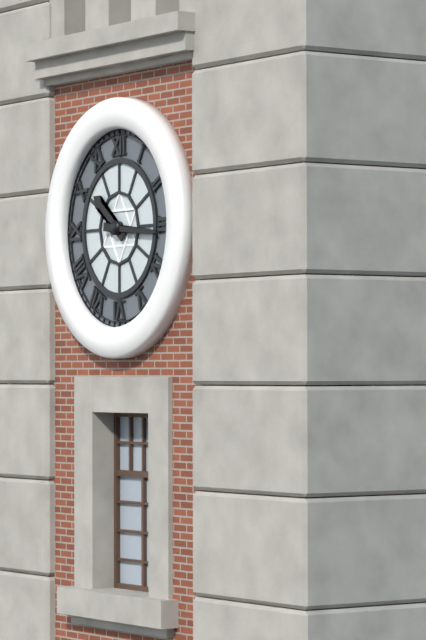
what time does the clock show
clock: 10:16
